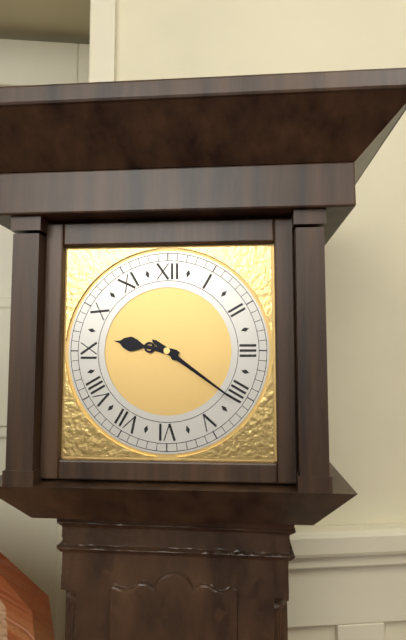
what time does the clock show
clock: 9:21
